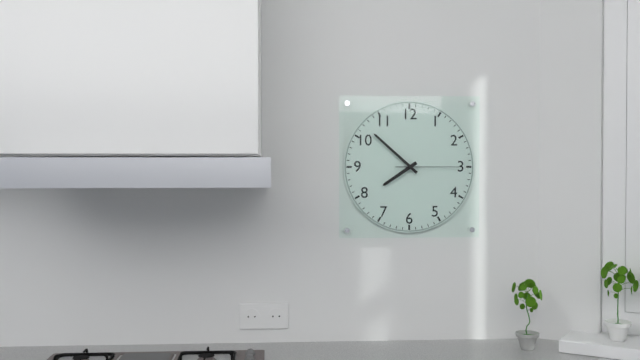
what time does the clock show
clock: 7:52:15
